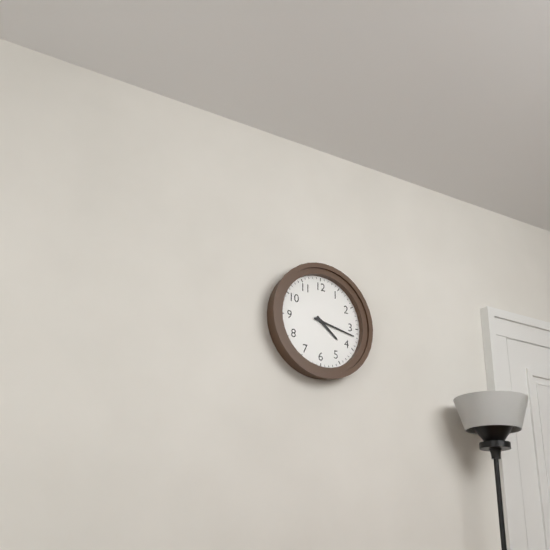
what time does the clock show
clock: 4:17
